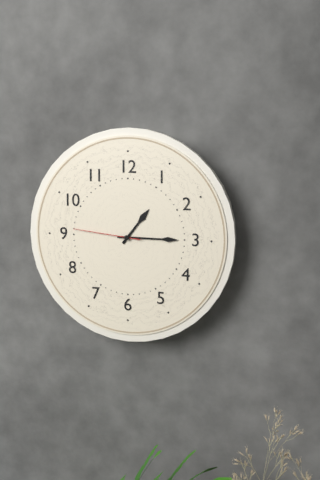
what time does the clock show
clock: 1:15:46
